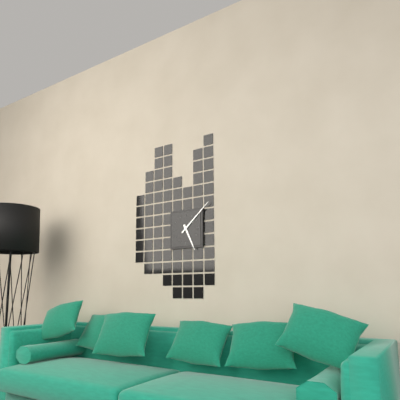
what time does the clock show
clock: 5:08
